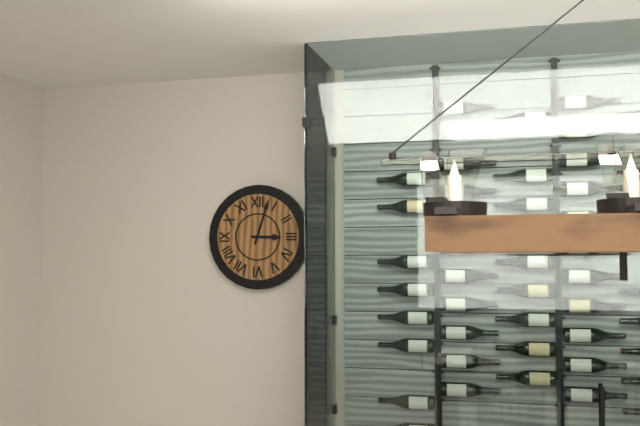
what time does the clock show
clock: 3:03
